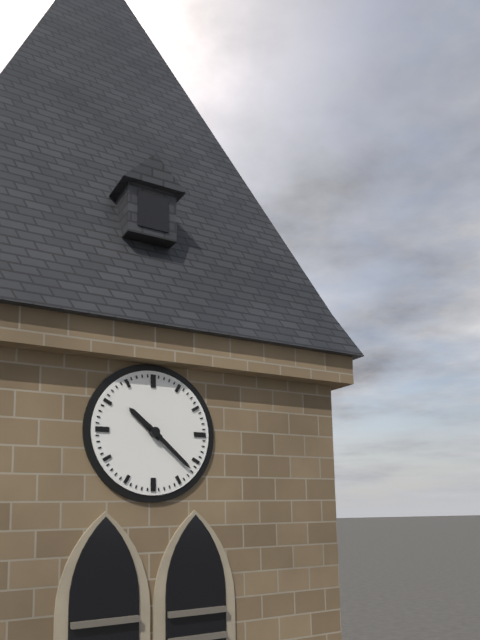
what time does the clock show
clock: 10:22
